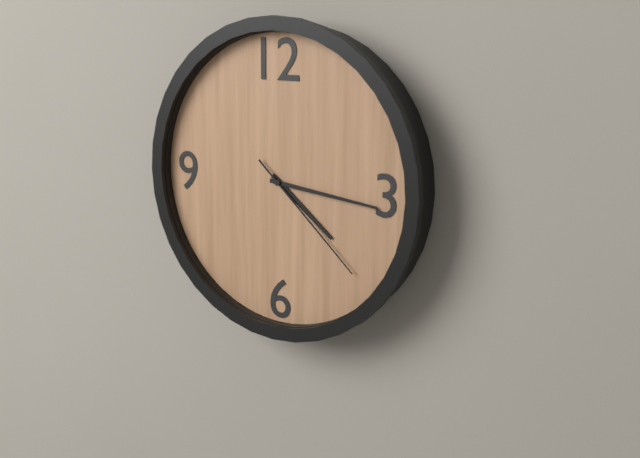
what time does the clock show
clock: 4:16:22
